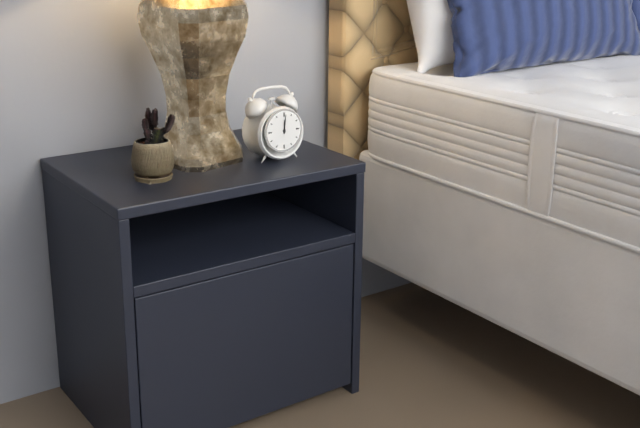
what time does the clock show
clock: 12:01
